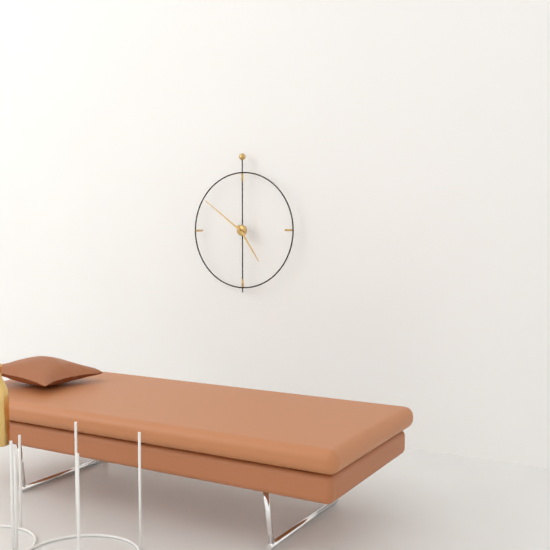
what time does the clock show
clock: 4:51
